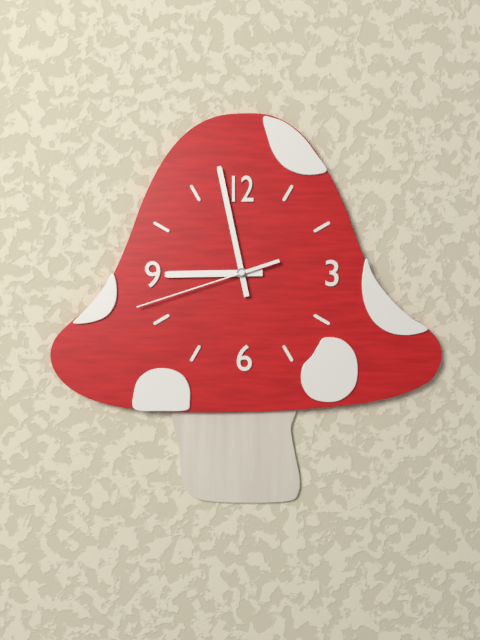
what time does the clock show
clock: 8:58:42
